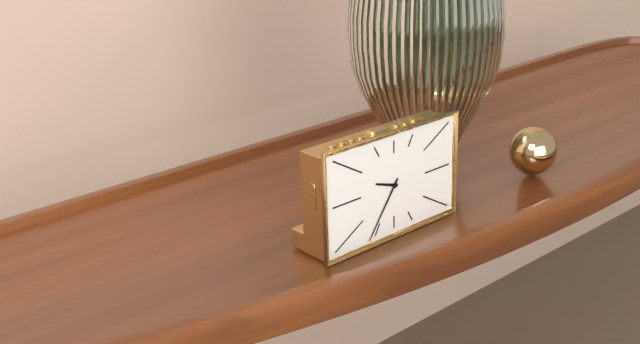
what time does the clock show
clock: 9:36
